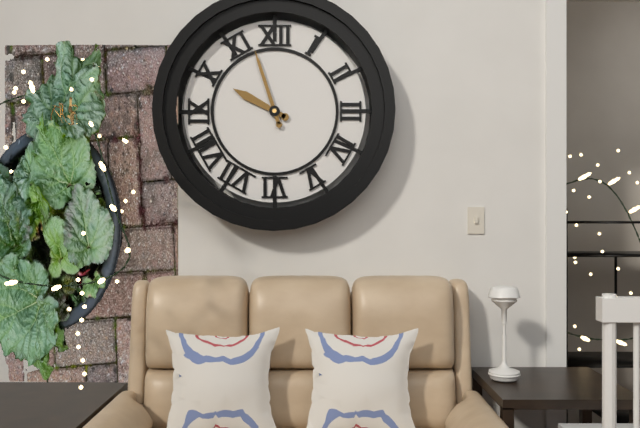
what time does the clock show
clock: 9:57
